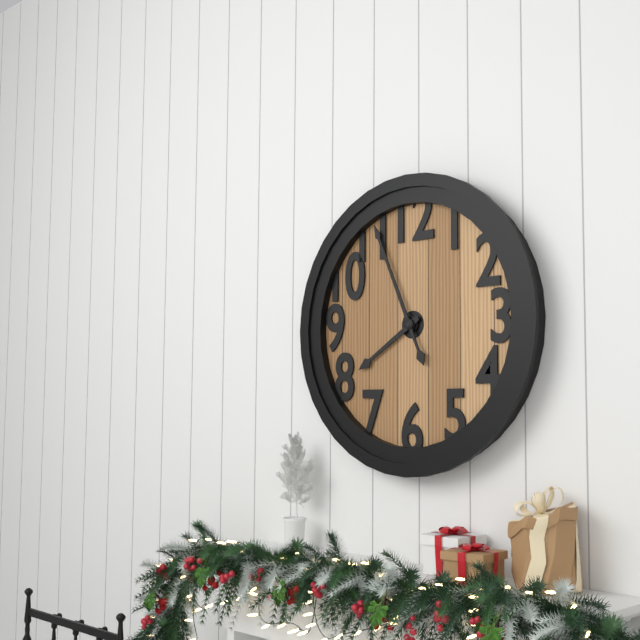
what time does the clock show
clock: 7:56
